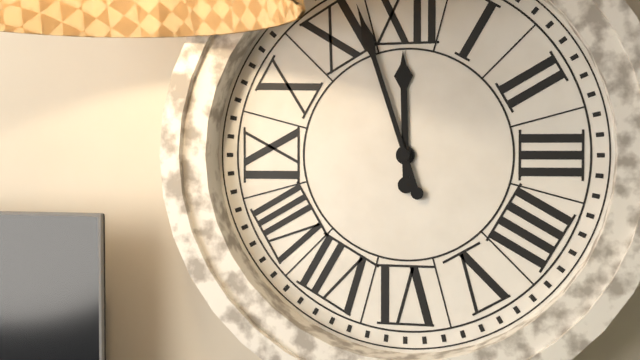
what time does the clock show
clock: 11:57
